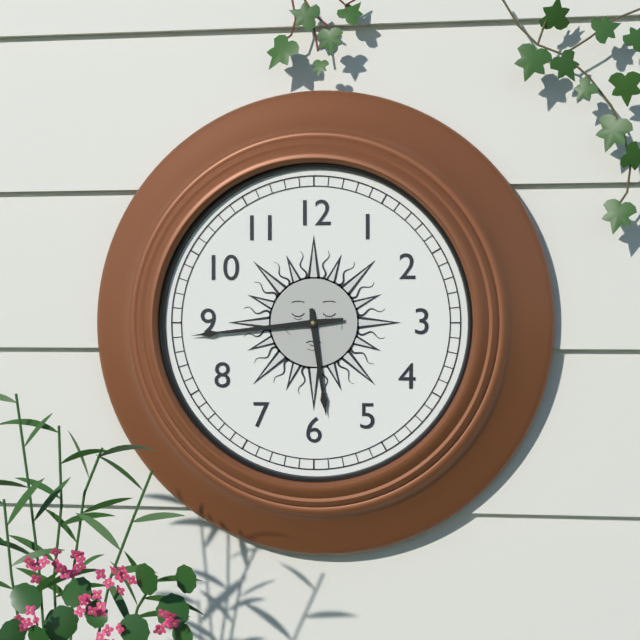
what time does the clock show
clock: 5:44
